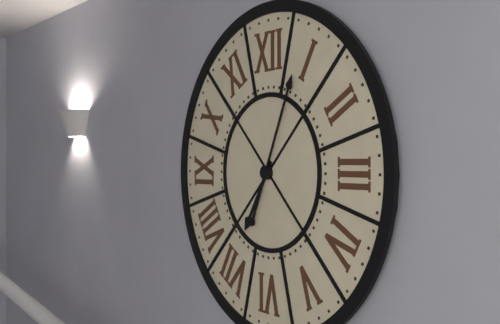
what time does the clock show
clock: 7:04
